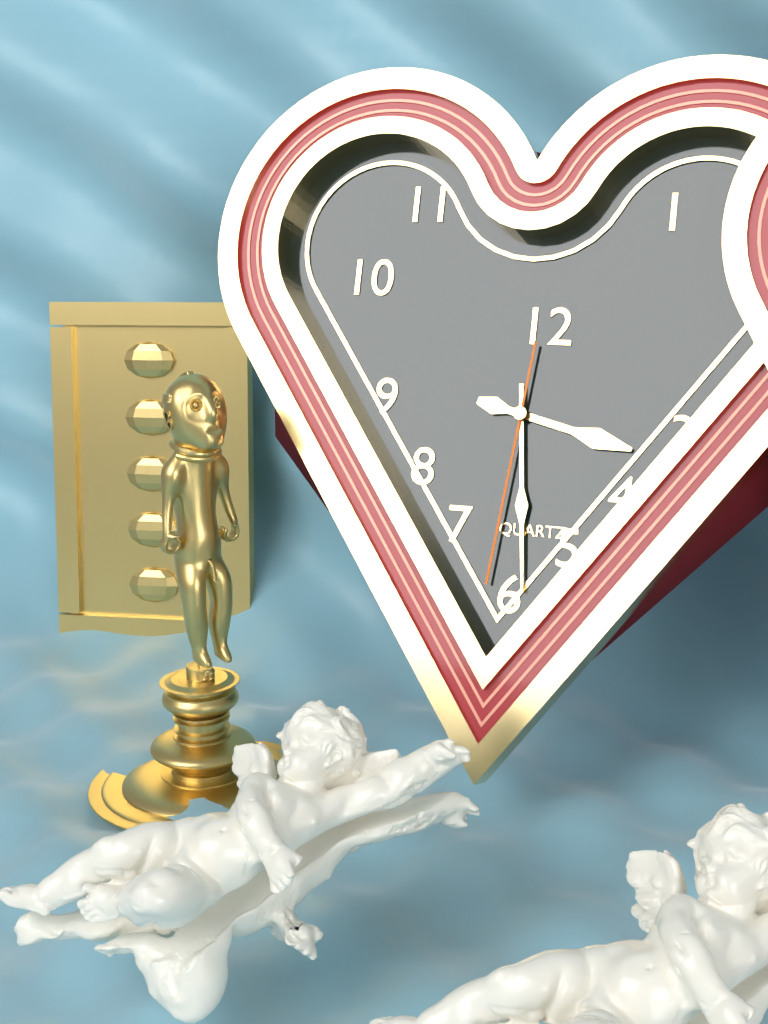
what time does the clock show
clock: 3:29:31
